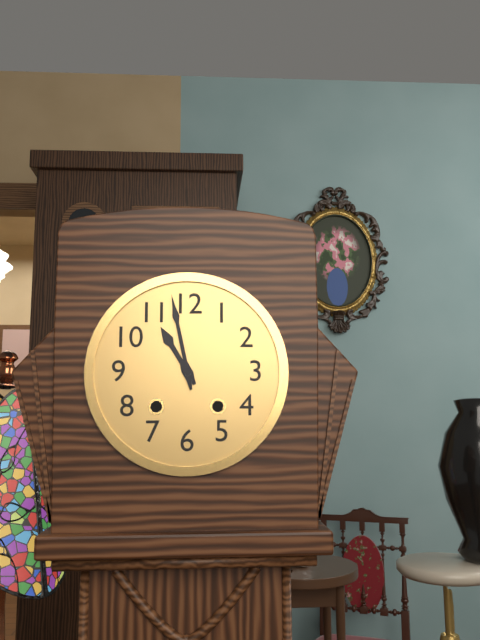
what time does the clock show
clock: 10:58
